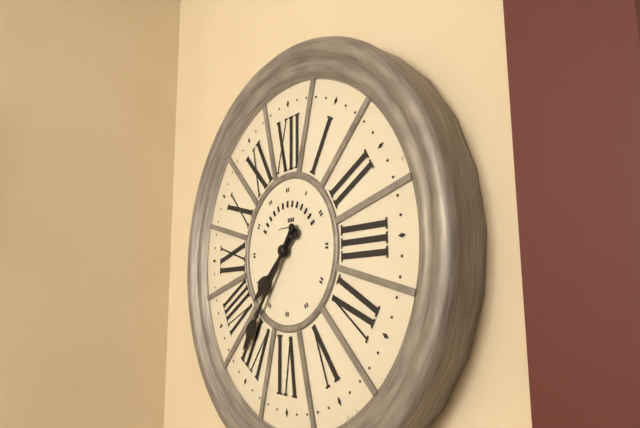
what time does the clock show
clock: 7:36
